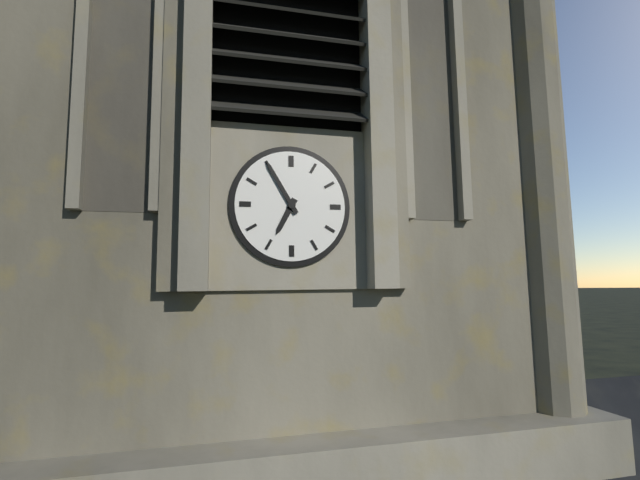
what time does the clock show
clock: 6:55
